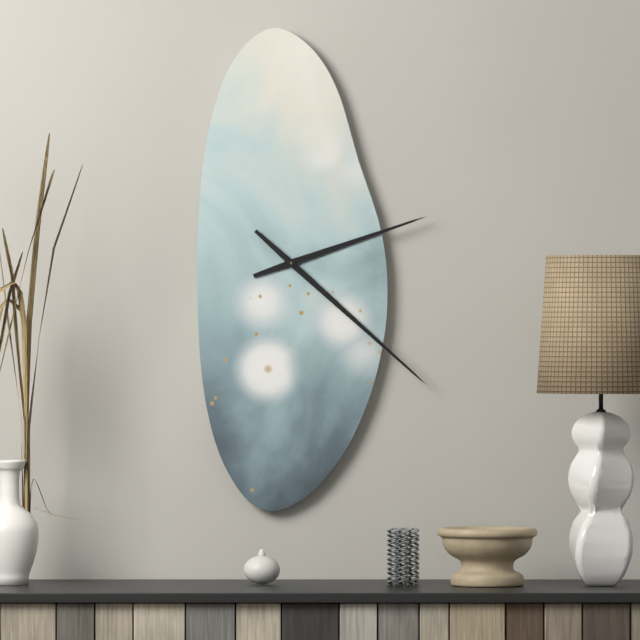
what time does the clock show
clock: 2:22
